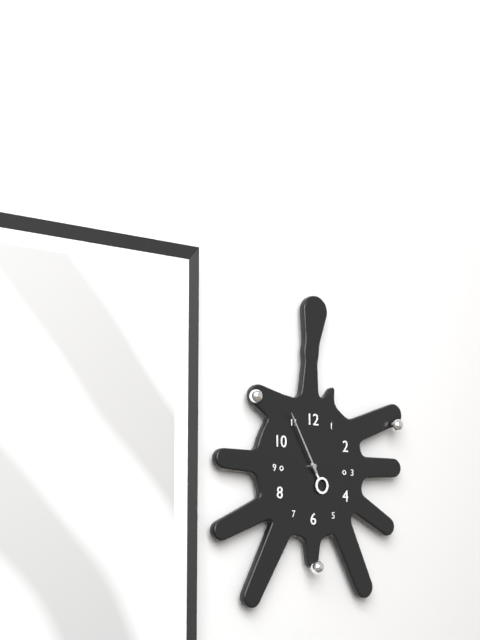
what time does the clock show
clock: 4:55
